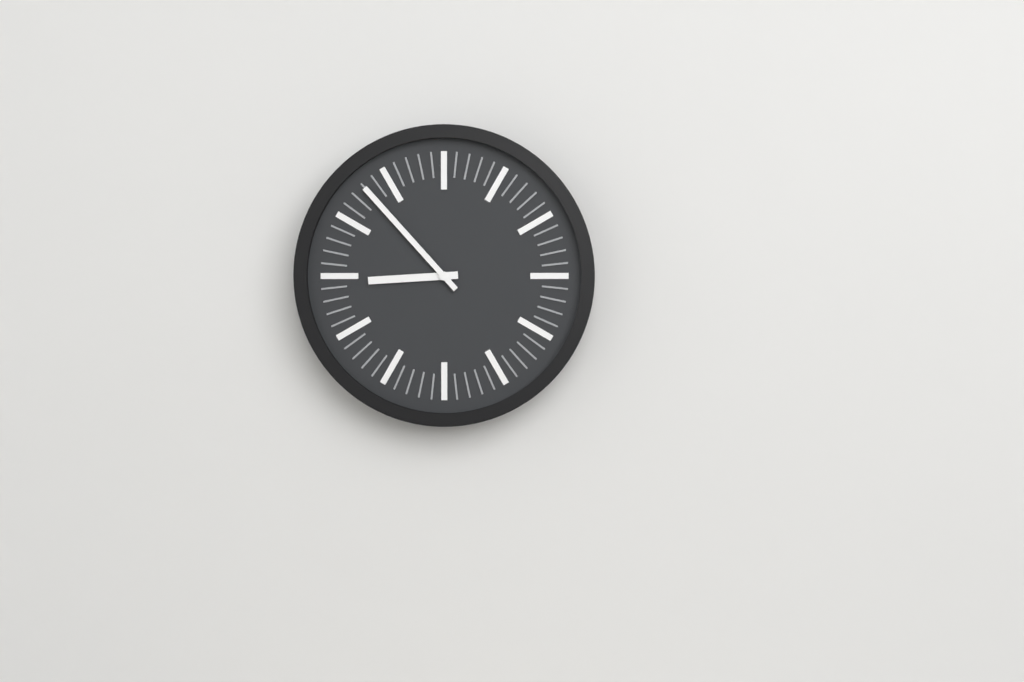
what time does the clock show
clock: 8:53
